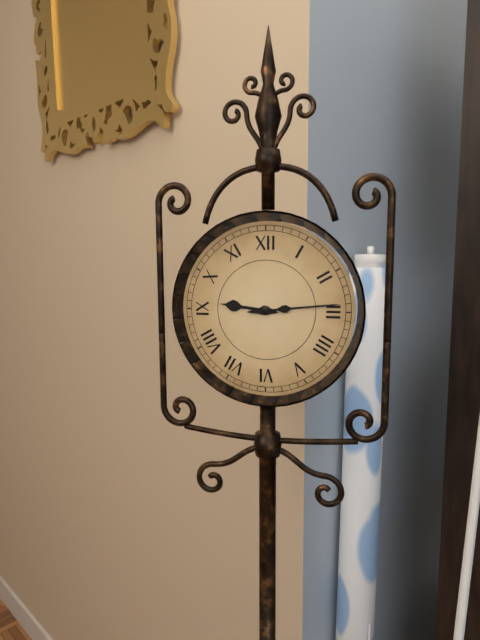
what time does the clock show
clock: 9:14
